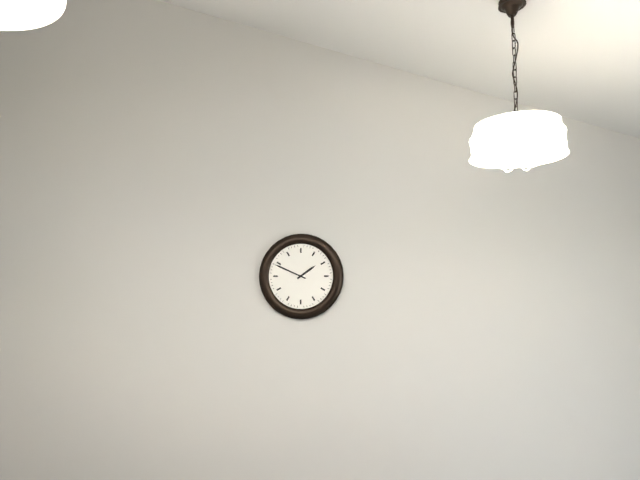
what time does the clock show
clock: 1:49
